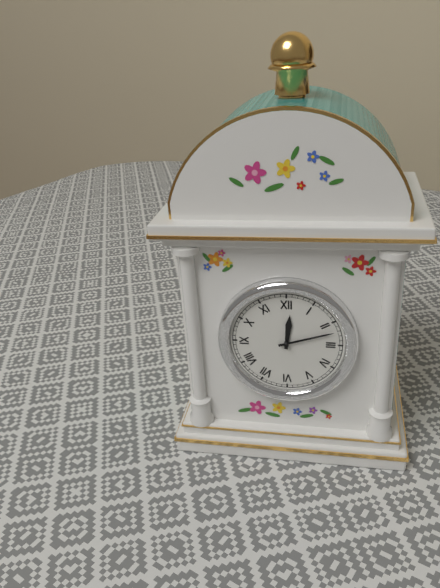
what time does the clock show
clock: 12:12
